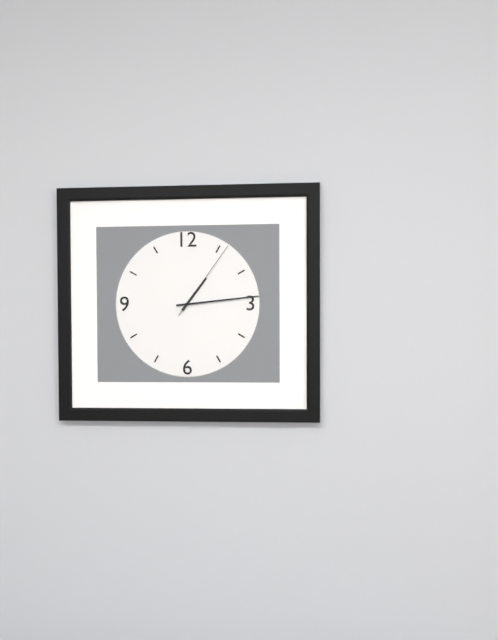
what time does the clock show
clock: 1:14:06
